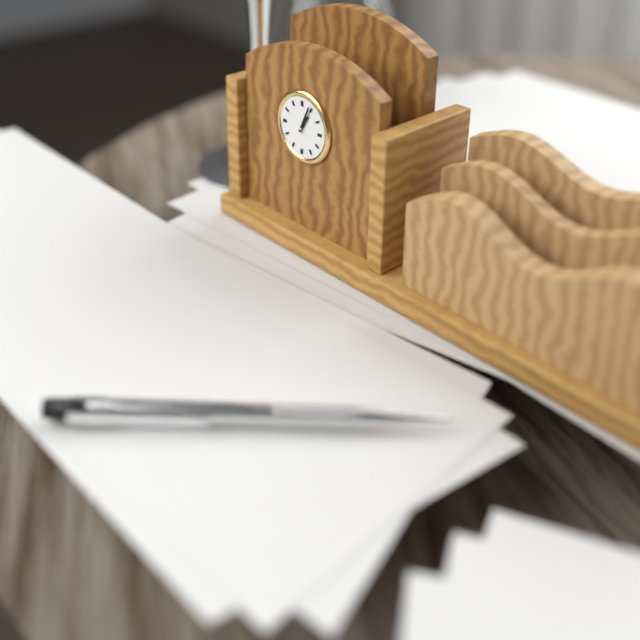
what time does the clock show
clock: 1:04
